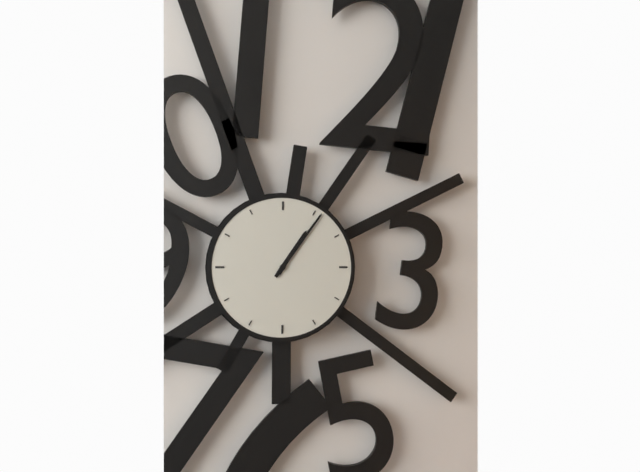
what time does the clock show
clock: 1:06
